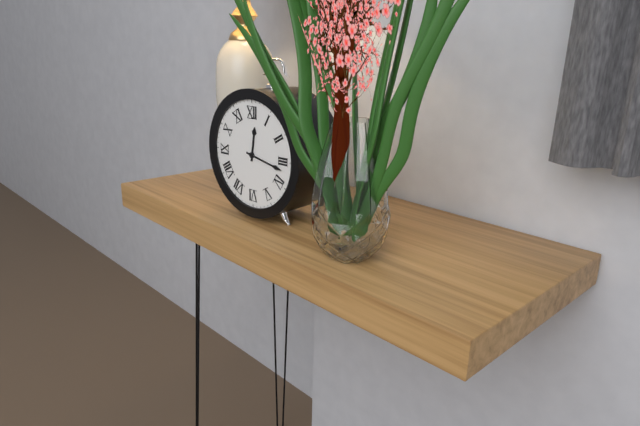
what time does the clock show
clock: 12:17
